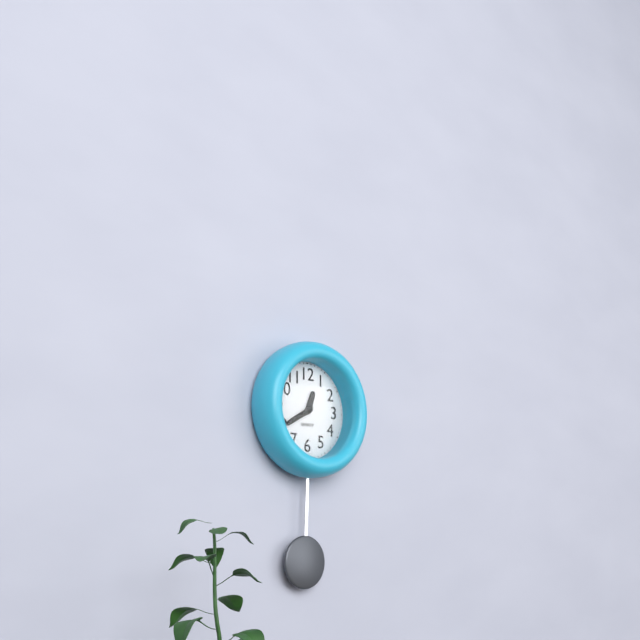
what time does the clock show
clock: 12:40
